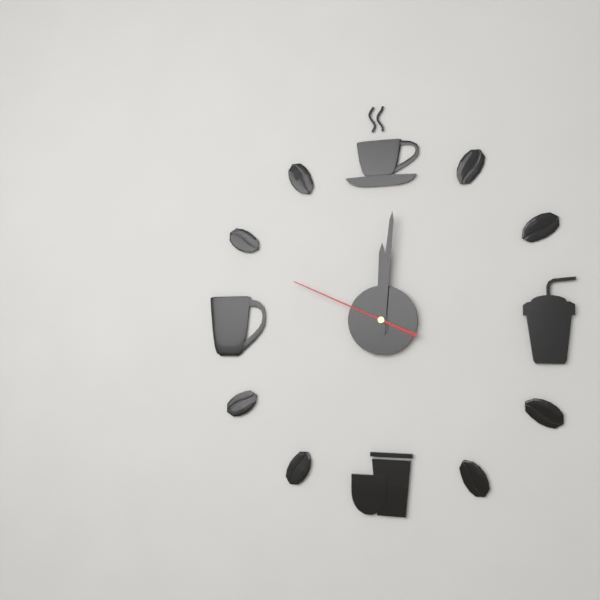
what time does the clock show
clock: 12:01:49
